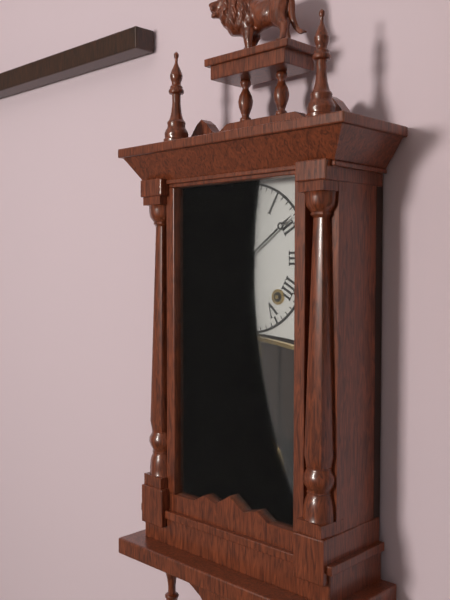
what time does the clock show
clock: 11:09
